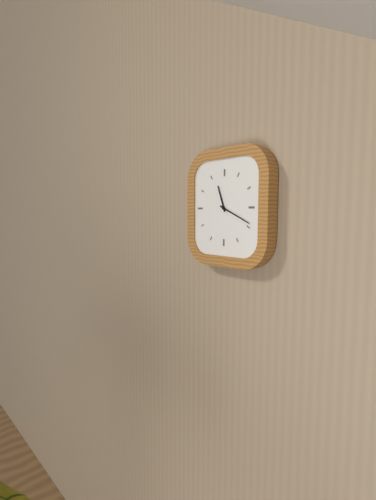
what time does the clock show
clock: 11:19
